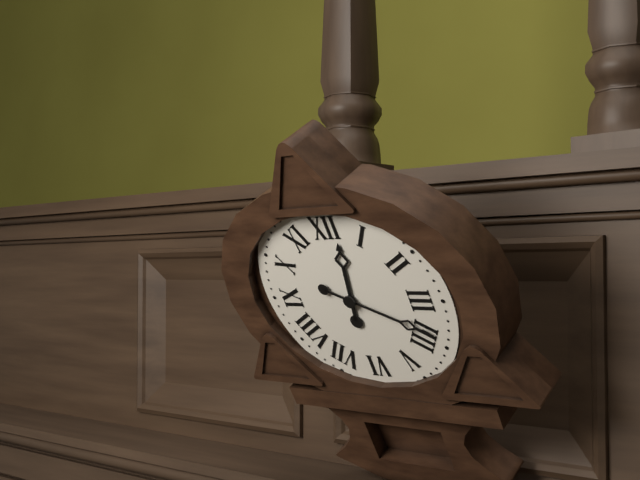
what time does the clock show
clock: 12:19
